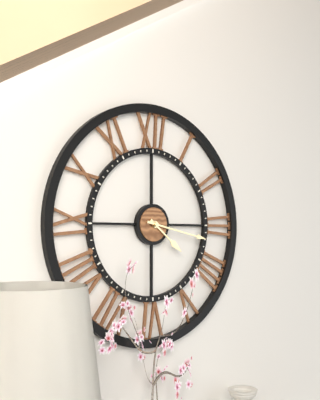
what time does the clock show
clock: 4:17
